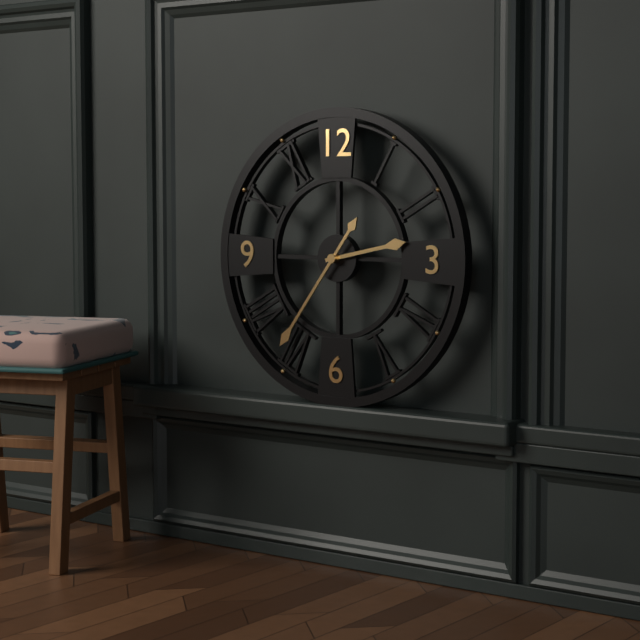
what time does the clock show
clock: 2:36
